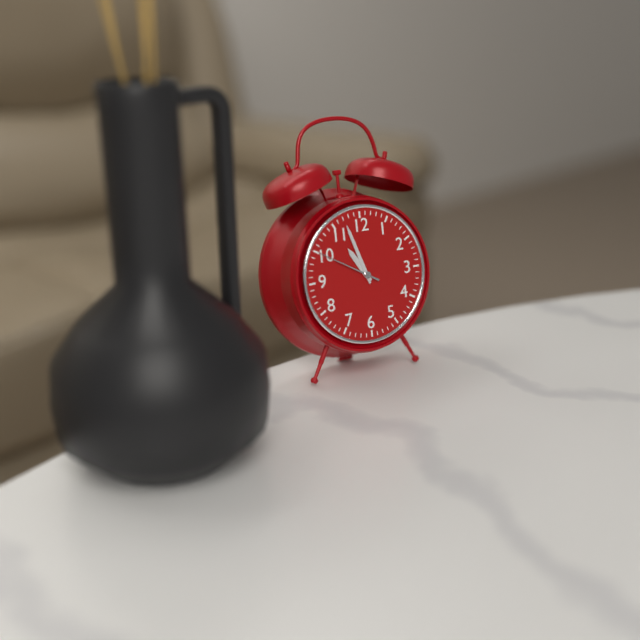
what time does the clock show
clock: 10:57:50
